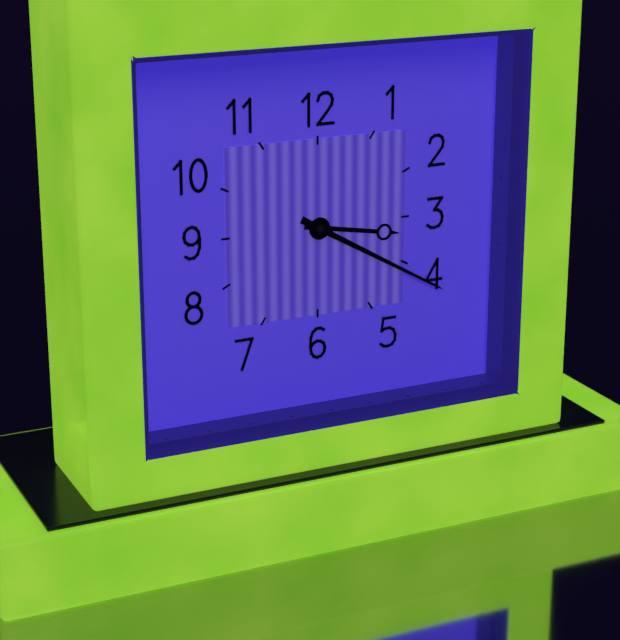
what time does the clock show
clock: 3:20
